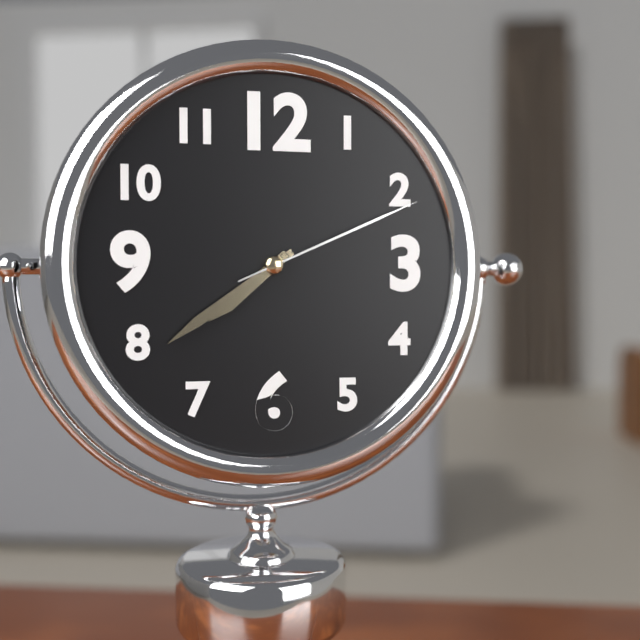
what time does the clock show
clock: 7:39:11
